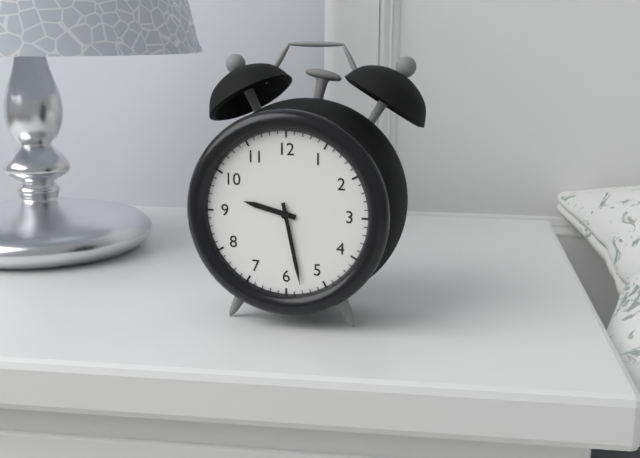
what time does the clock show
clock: 9:28
